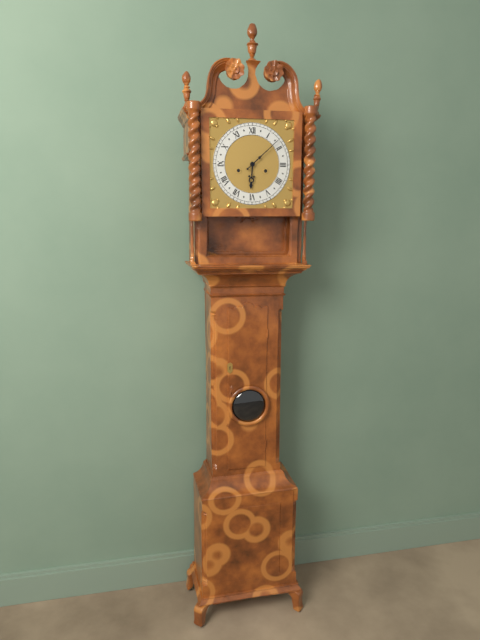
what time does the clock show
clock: 6:08
